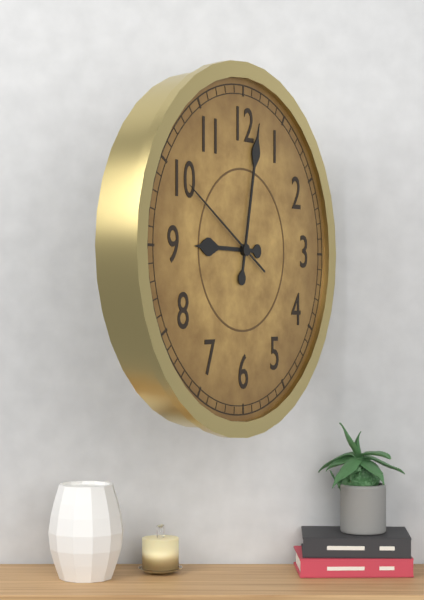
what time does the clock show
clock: 9:02:50
